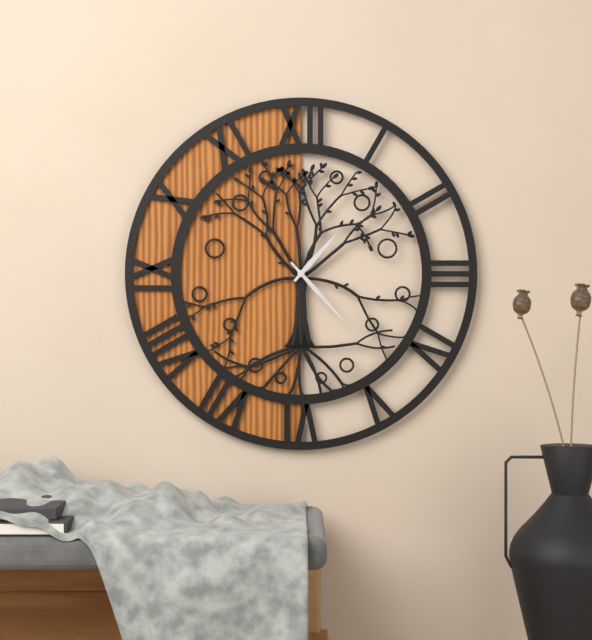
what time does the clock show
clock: 1:23
